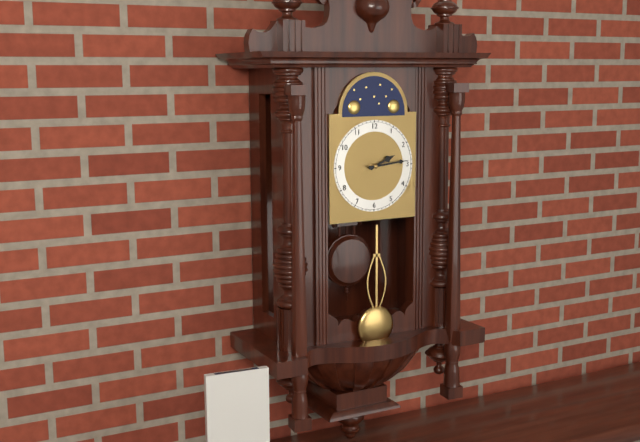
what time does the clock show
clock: 2:14
